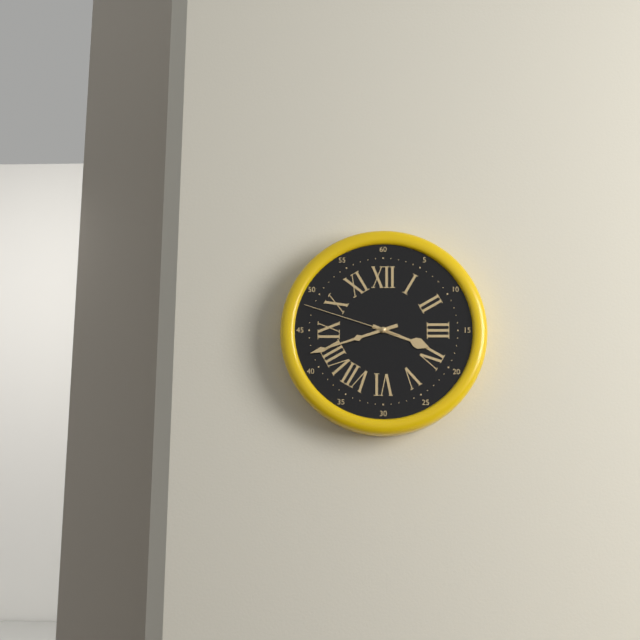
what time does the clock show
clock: 3:42:48
